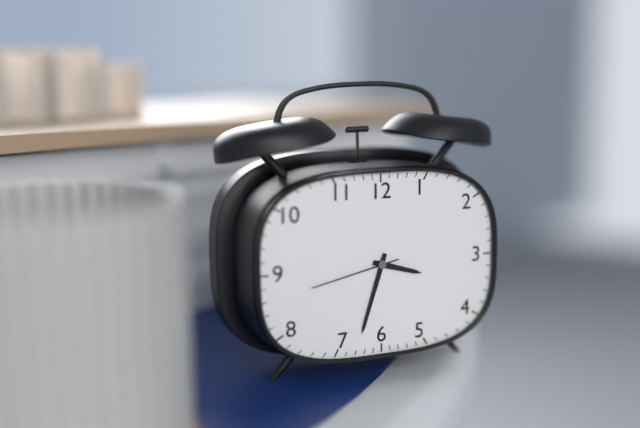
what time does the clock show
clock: 3:33:43
